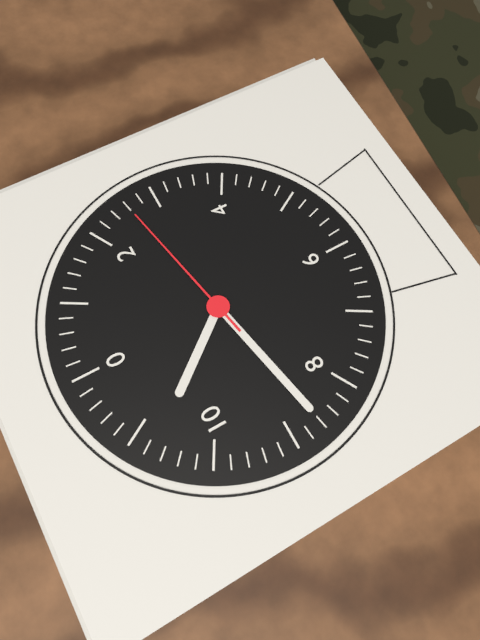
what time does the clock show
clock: 10:43:13
